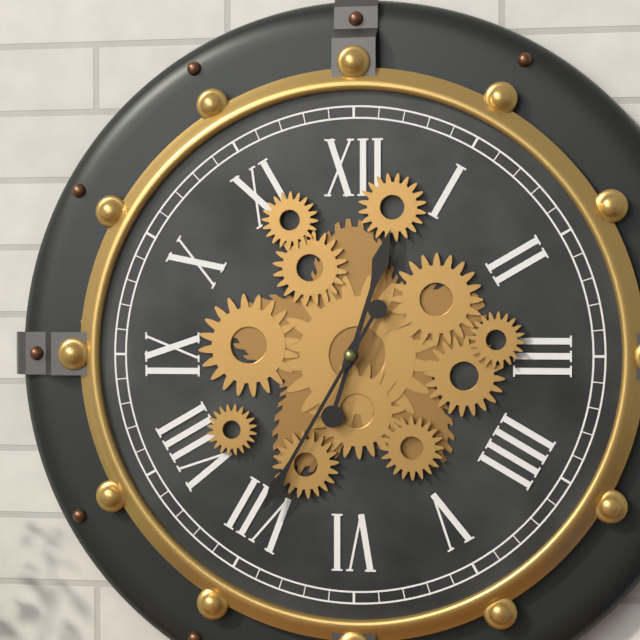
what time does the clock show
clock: 12:35
